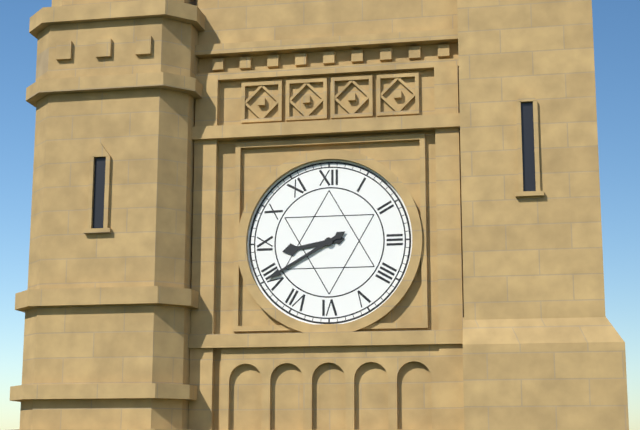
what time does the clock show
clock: 8:40
